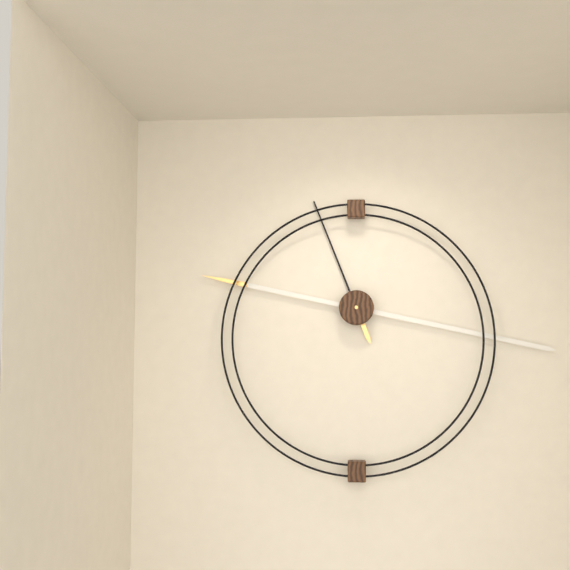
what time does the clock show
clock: 11:17
